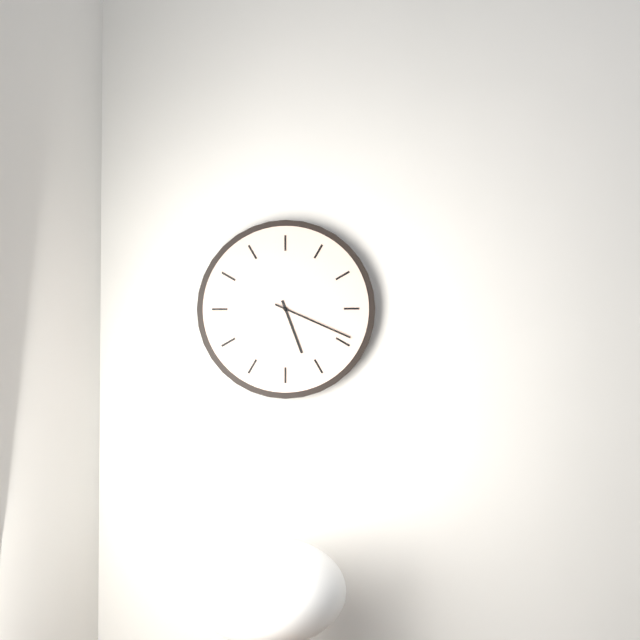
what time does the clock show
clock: 5:19
